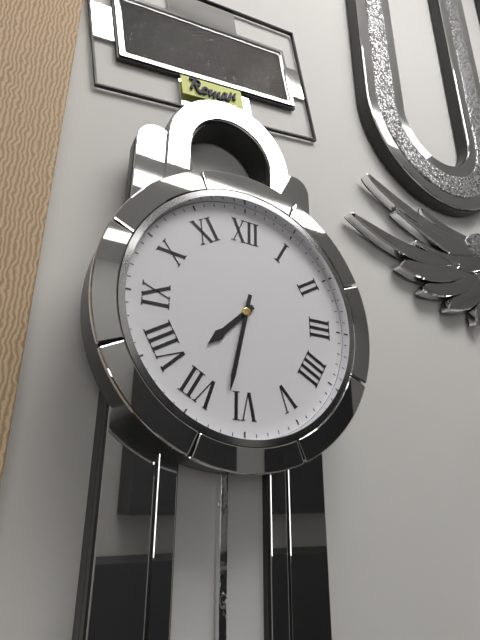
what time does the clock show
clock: 7:32
